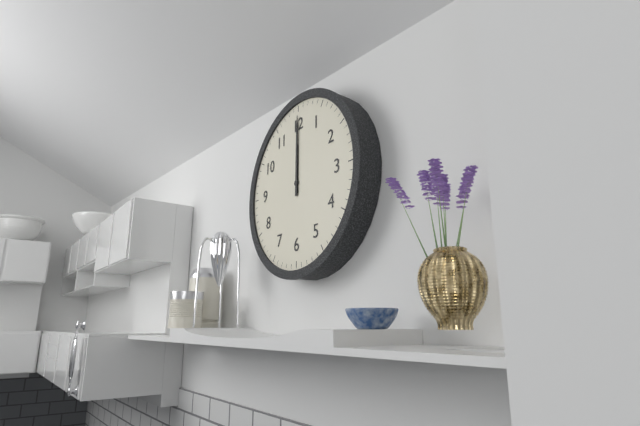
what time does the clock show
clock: 12:00
